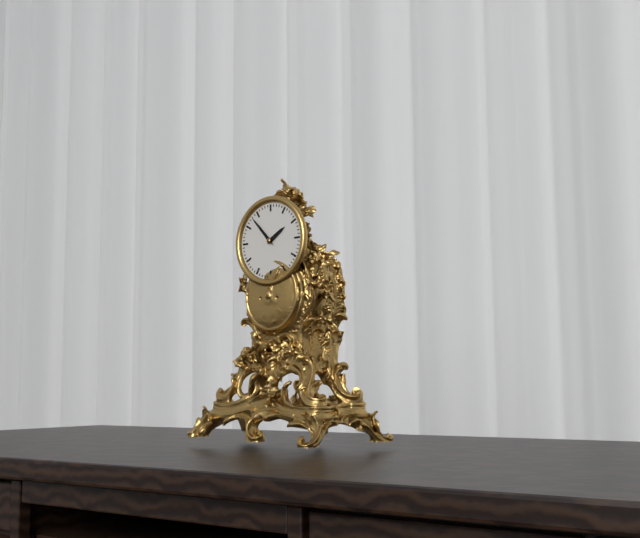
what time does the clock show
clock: 1:53
